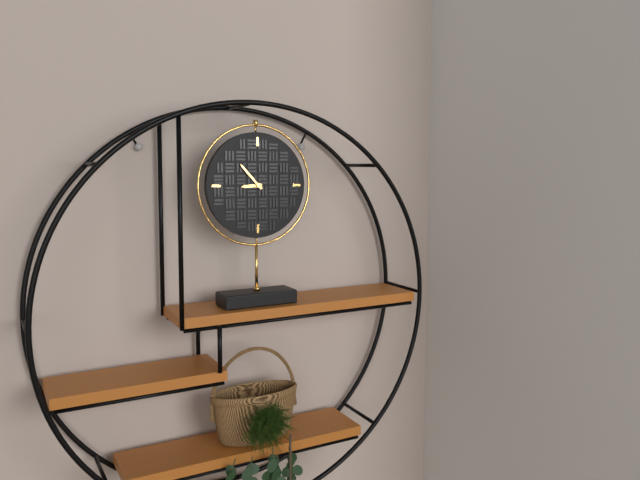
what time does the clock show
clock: 8:53
